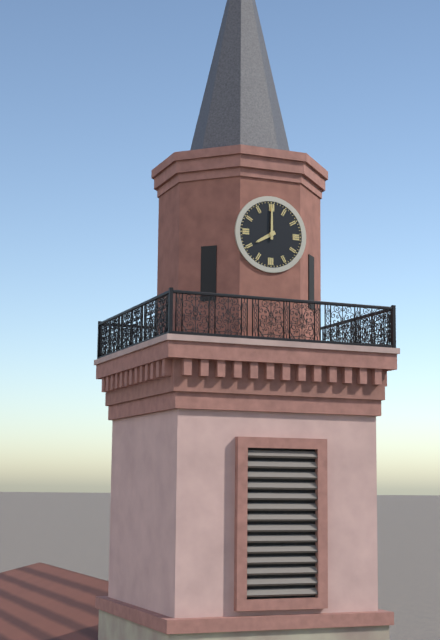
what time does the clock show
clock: 8:00
